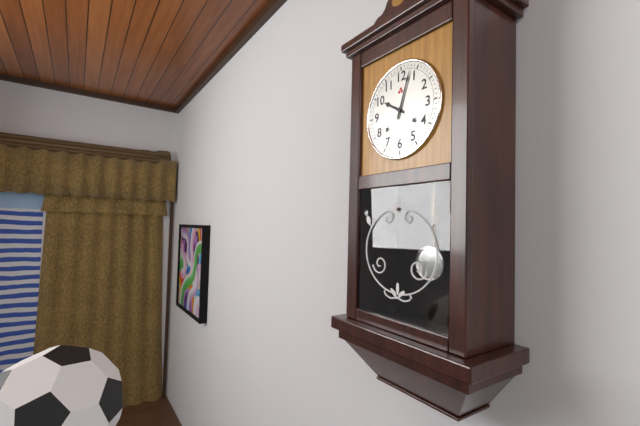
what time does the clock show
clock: 10:03
